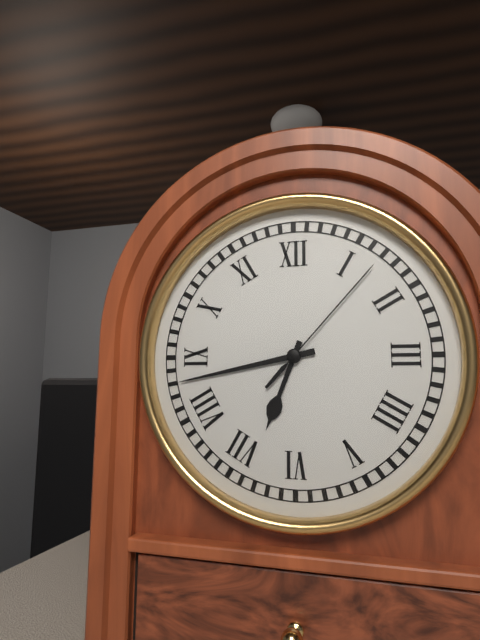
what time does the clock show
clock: 6:43:07
